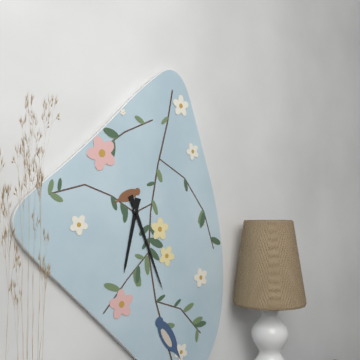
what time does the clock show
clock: 6:26
